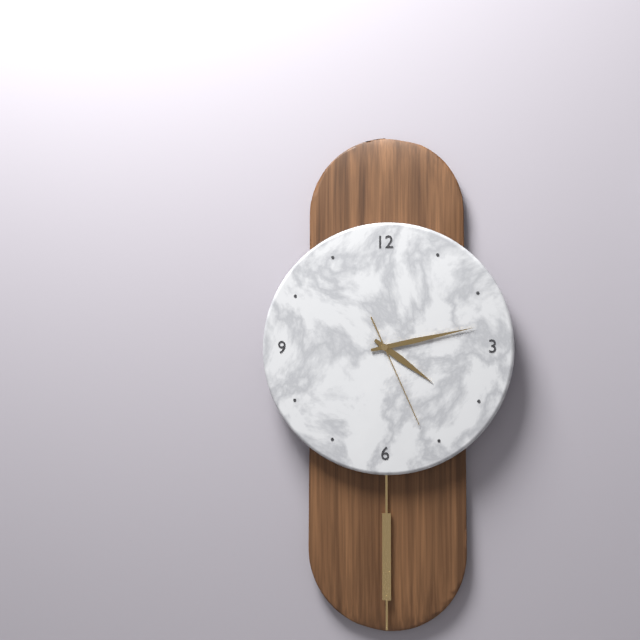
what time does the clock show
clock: 4:13:26
